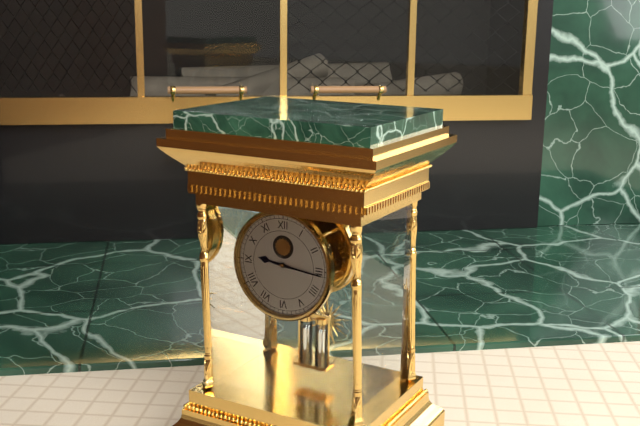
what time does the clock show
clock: 9:16
